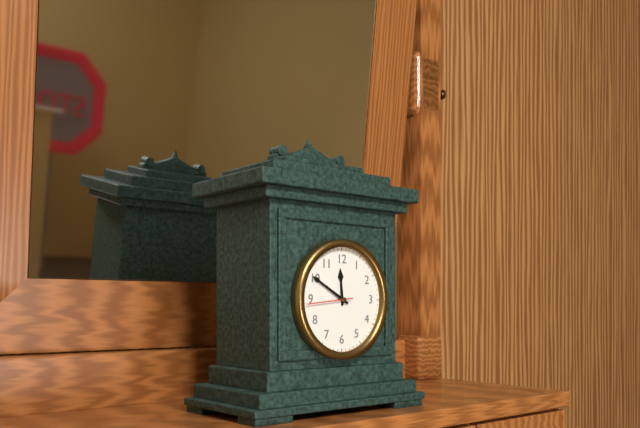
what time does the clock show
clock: 11:50
